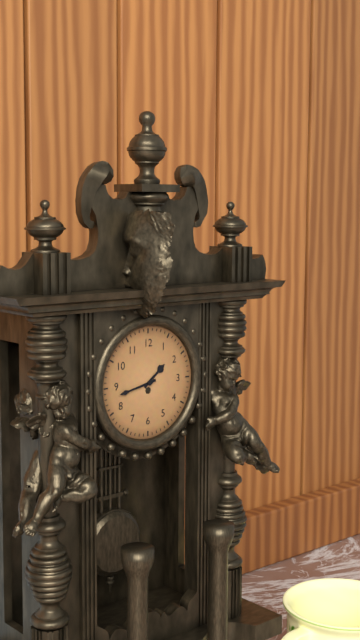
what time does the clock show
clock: 1:43
